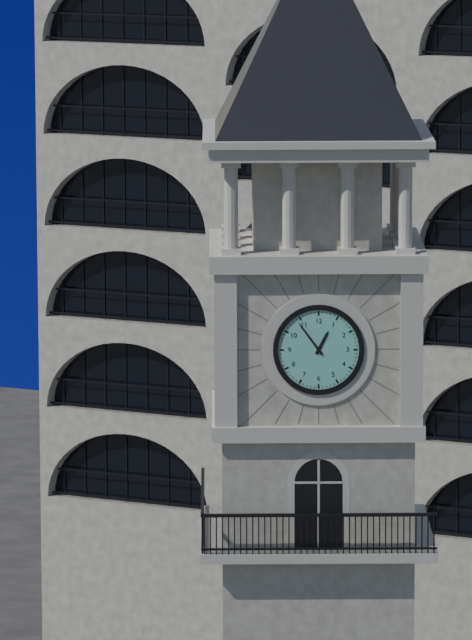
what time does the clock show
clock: 12:54
